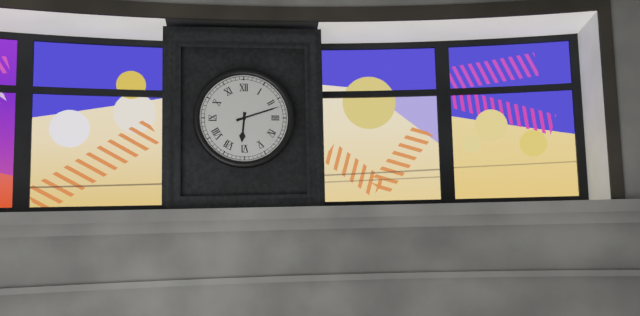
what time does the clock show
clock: 6:12
